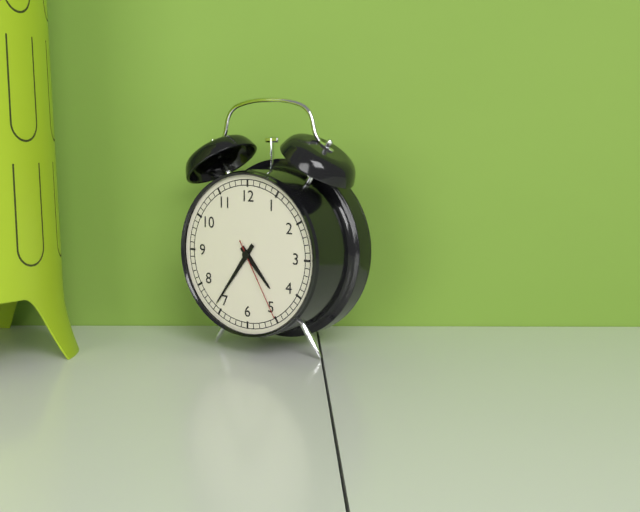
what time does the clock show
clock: 4:36:25
